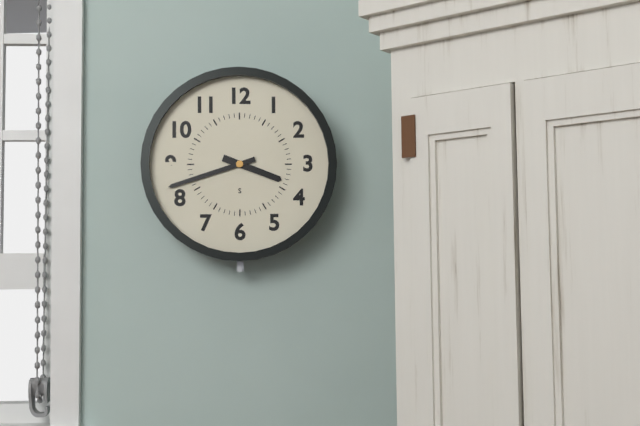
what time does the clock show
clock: 3:42
